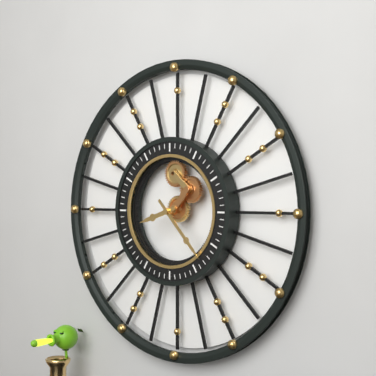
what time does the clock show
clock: 8:23
